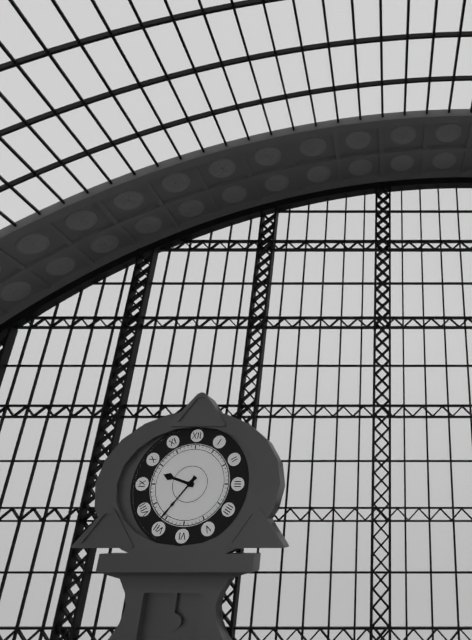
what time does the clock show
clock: 9:36
